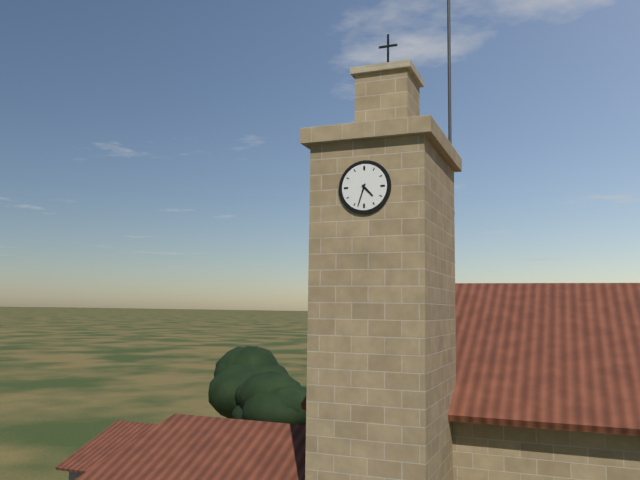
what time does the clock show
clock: 4:33
